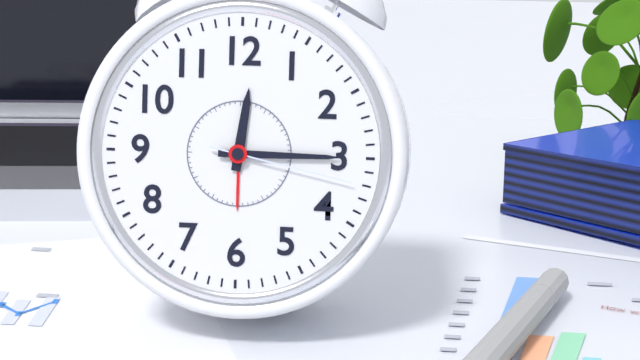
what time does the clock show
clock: 12:15:17
